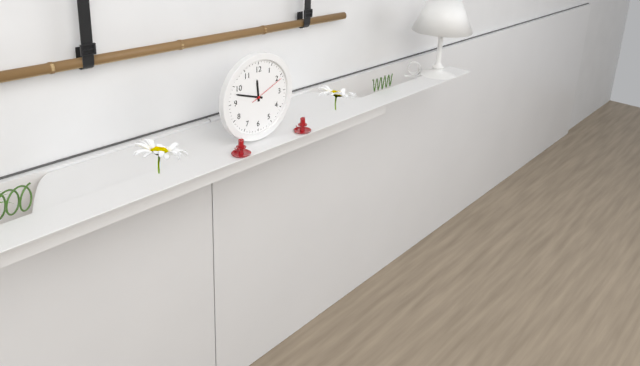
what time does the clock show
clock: 11:48
